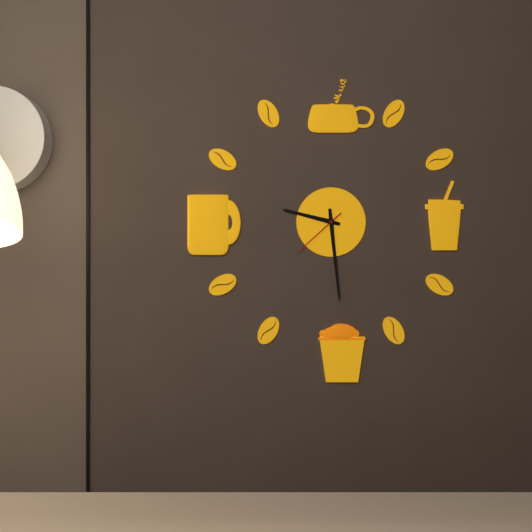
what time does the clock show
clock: 9:29:38
